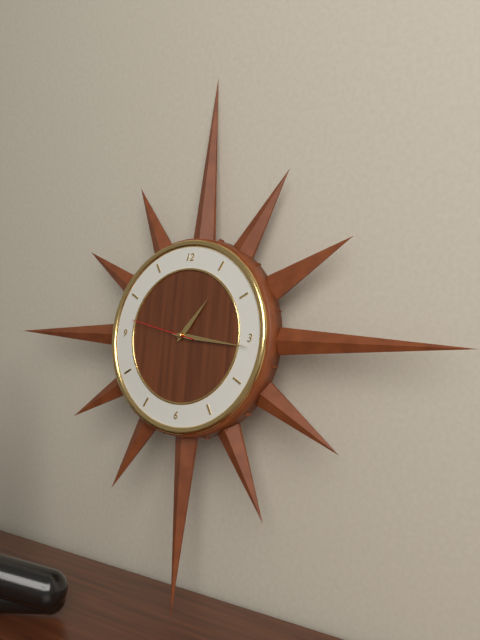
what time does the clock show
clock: 1:16:47
